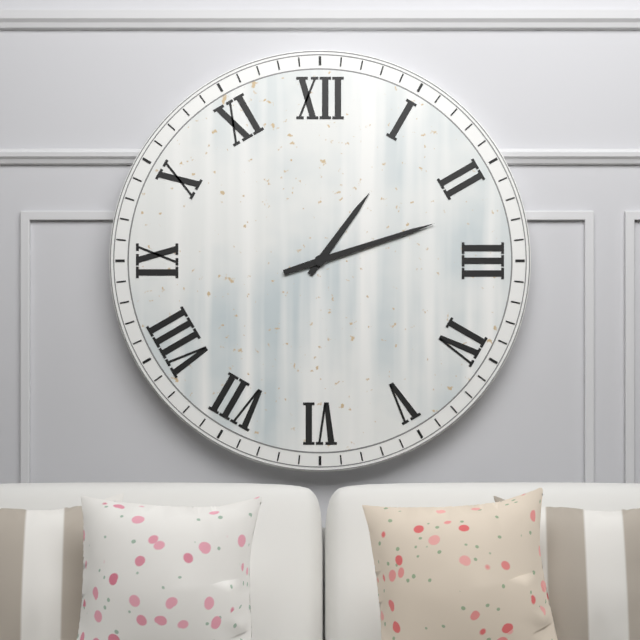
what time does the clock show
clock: 1:12
